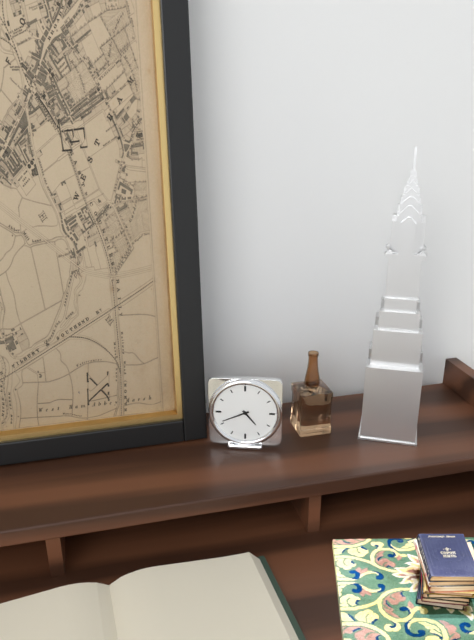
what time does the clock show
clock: 4:41
